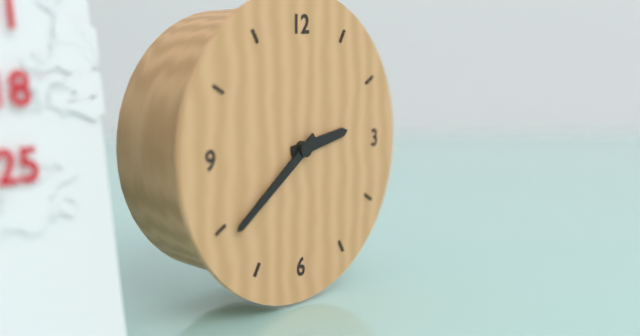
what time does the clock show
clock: 2:39
